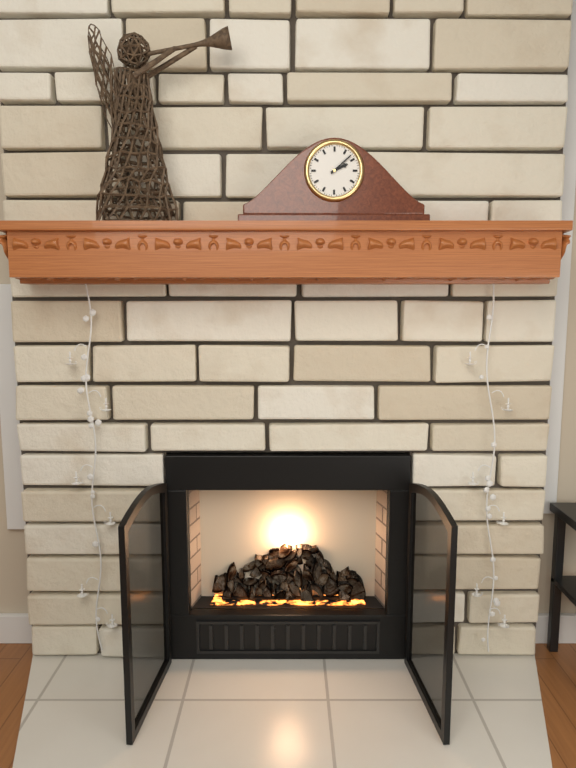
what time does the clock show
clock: 2:08
